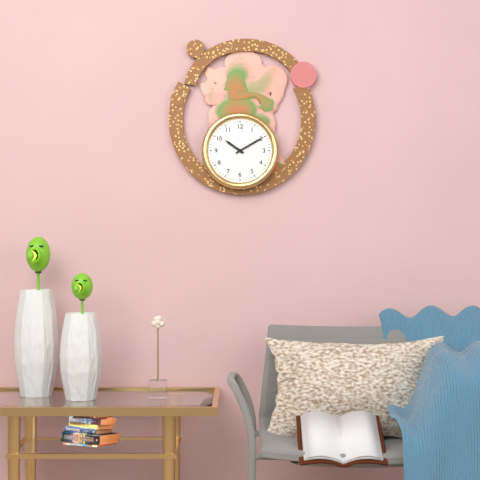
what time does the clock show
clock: 10:10
